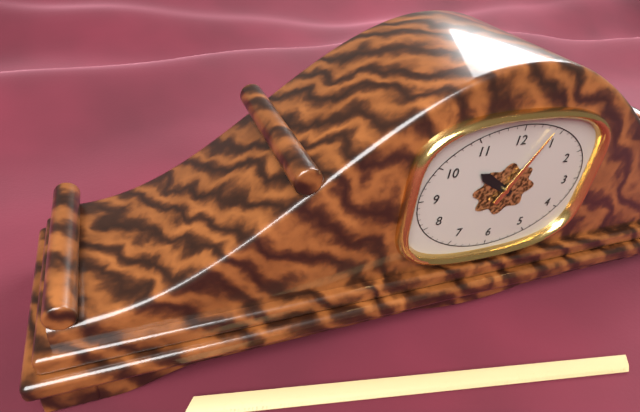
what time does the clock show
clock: 10:05
